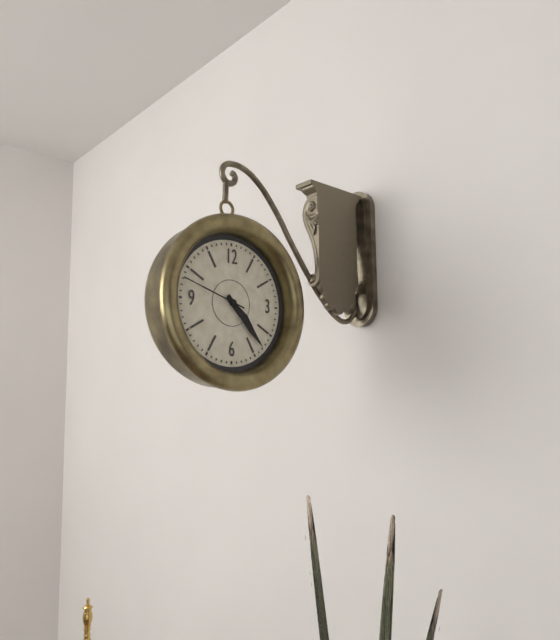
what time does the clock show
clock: 4:23:48
